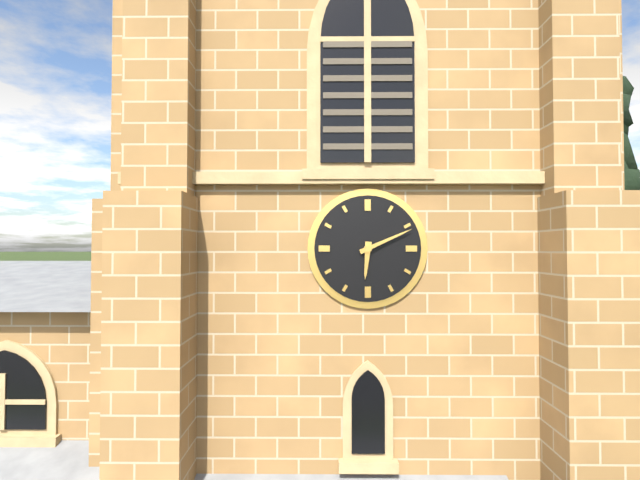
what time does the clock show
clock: 6:11
